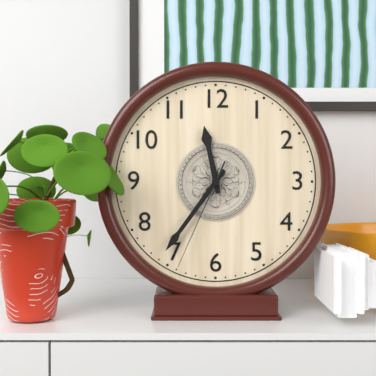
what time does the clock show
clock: 11:36:34
